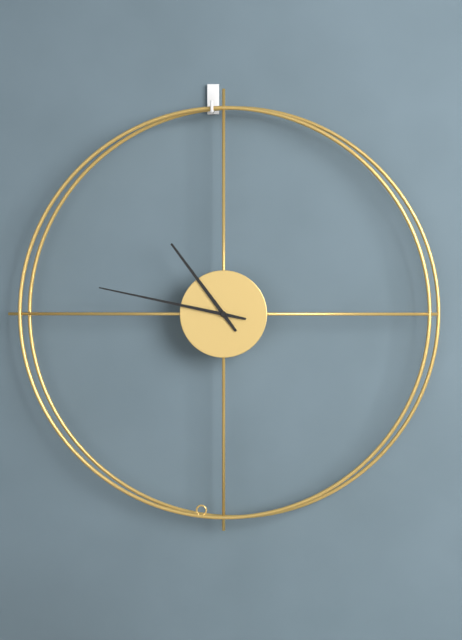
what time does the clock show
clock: 10:47
